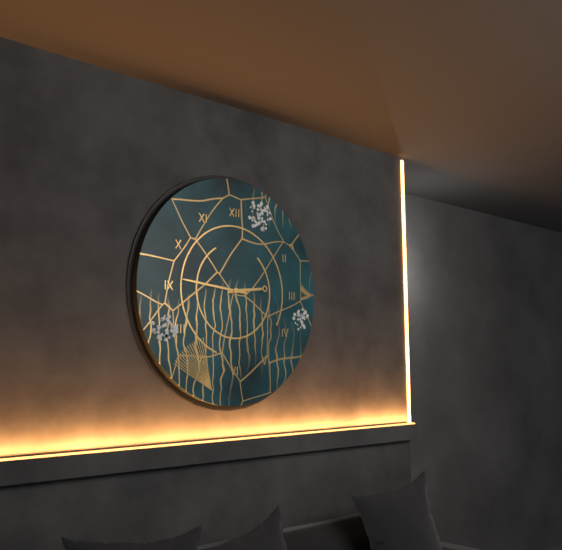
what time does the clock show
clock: 2:46
